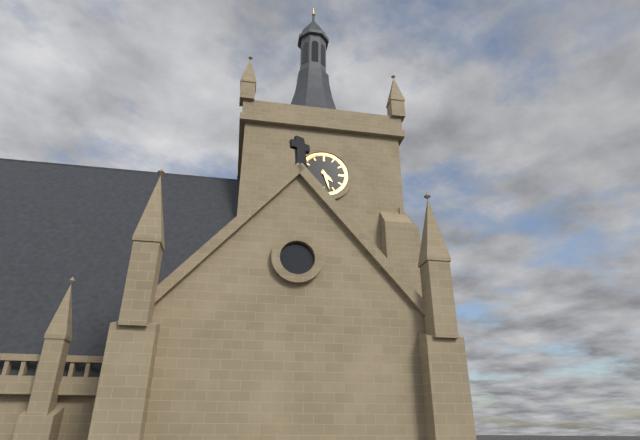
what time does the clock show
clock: 4:27
